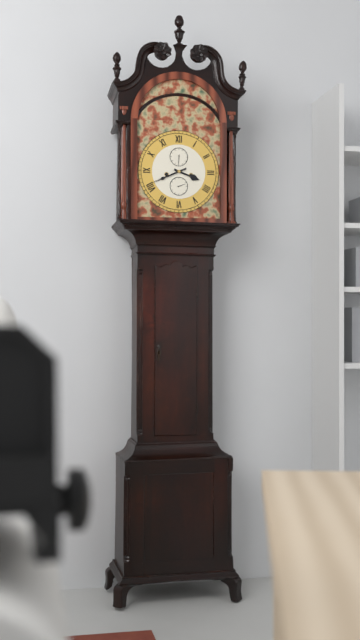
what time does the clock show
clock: 3:41
